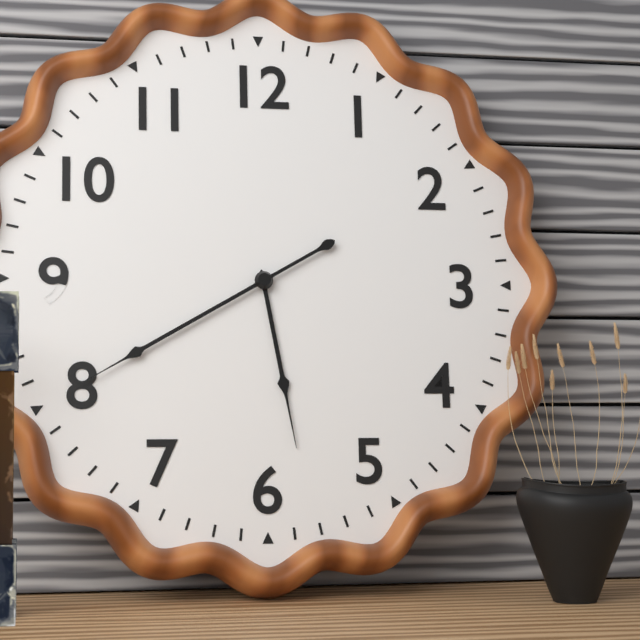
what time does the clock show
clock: 5:40
